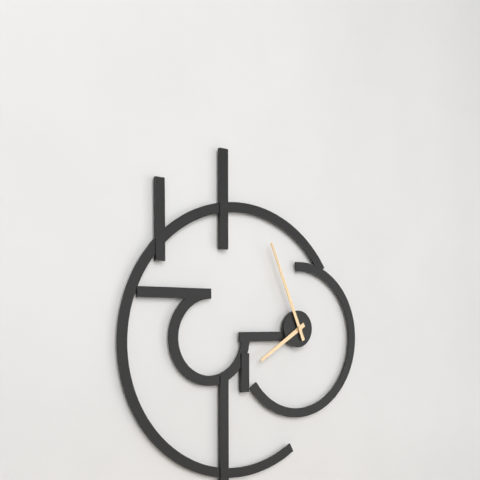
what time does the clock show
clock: 7:56
